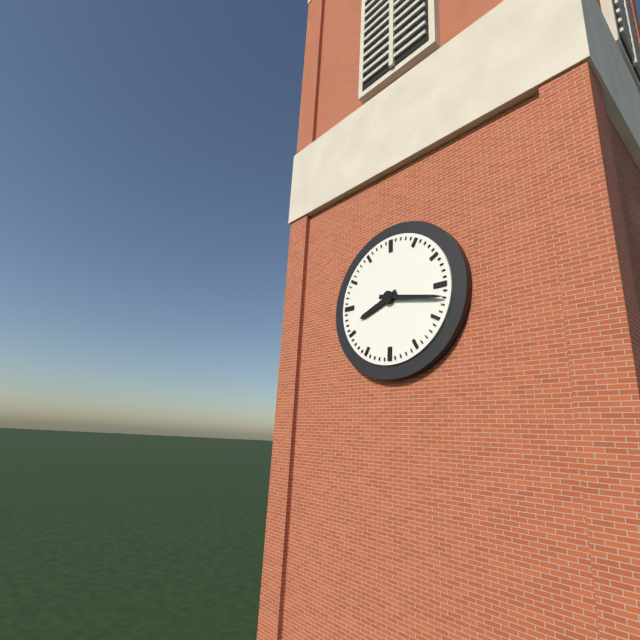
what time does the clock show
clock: 8:17
